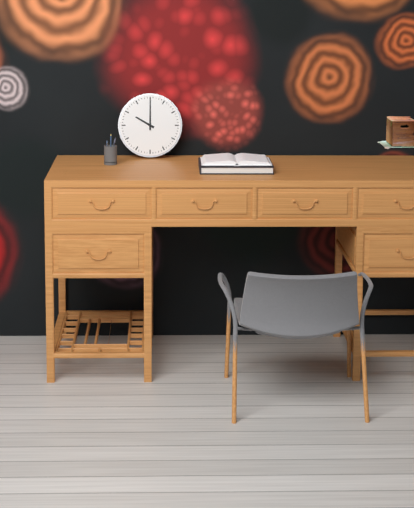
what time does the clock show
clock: 10:00
